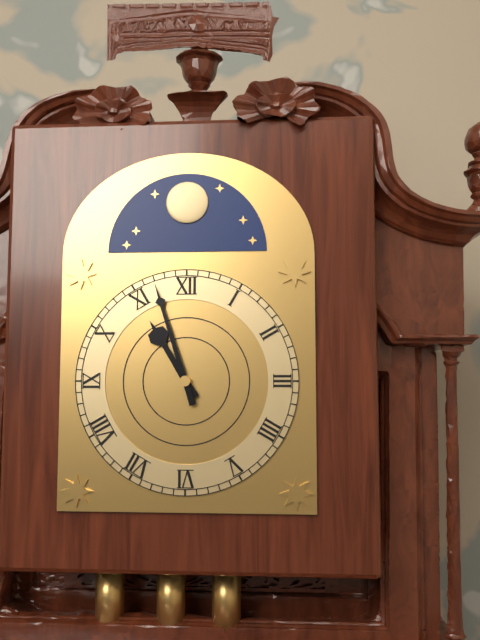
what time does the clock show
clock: 10:57
